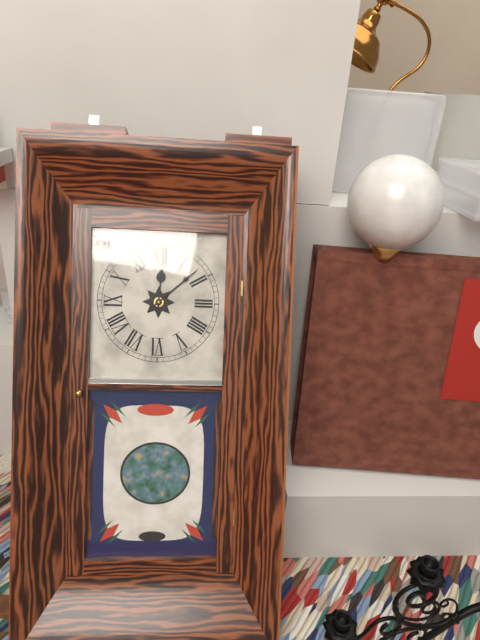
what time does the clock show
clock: 12:08
